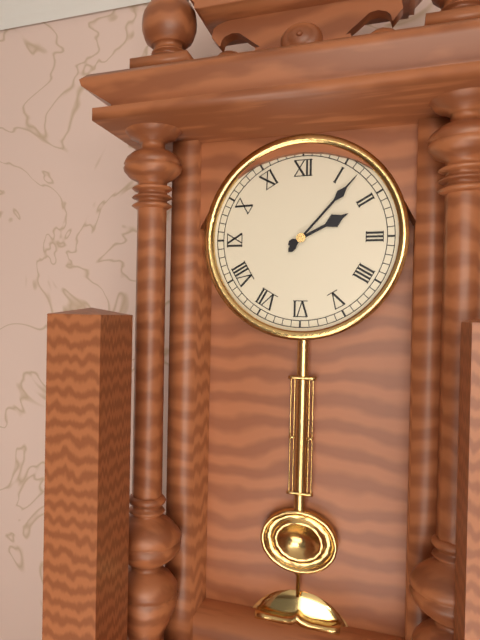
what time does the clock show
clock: 2:07
